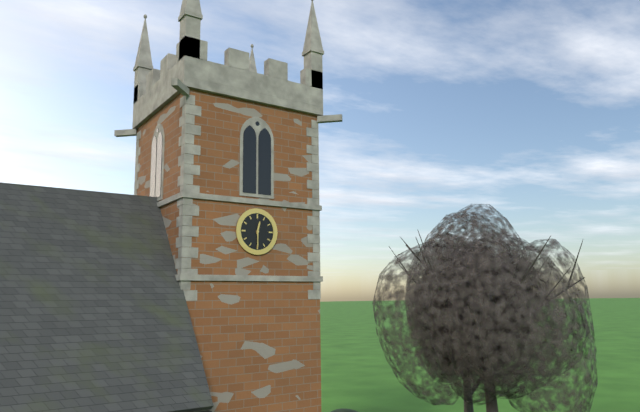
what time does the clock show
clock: 12:30
